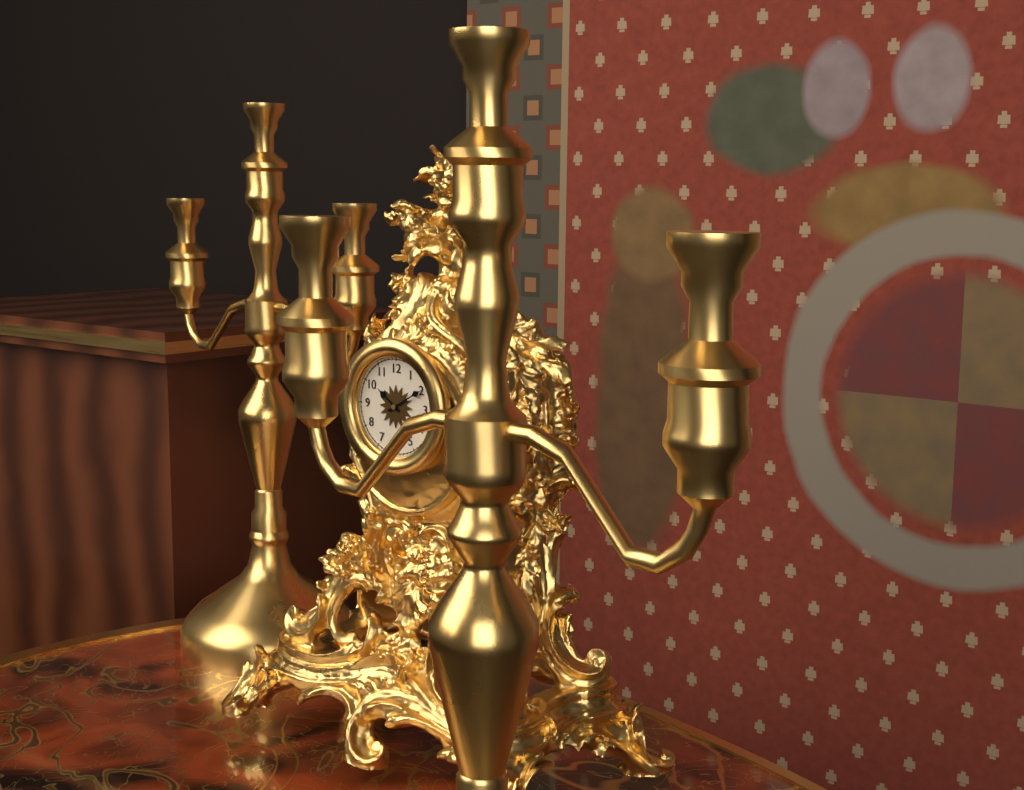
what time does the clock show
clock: 10:10
